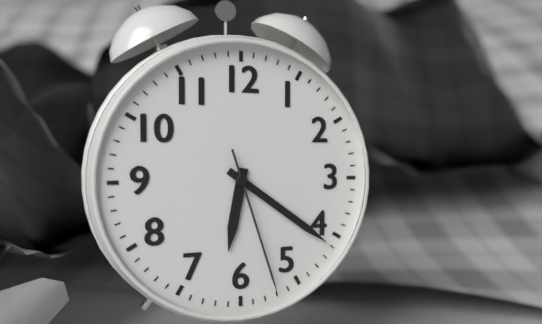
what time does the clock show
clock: 6:21:27
